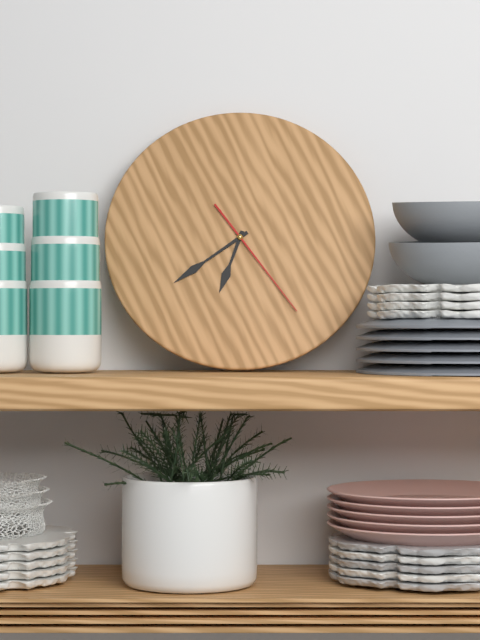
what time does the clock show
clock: 6:39:24
